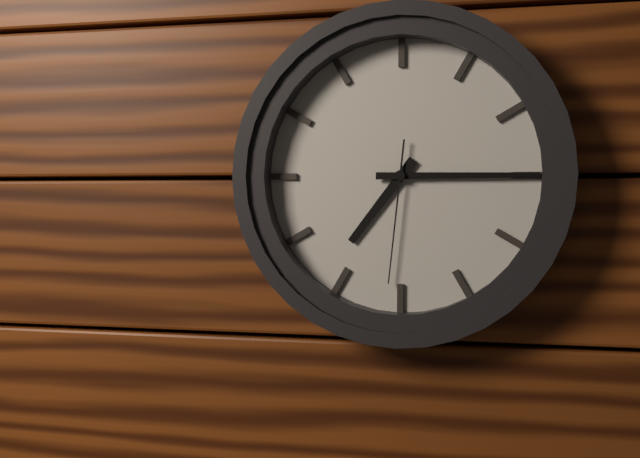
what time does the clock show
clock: 7:15:31
